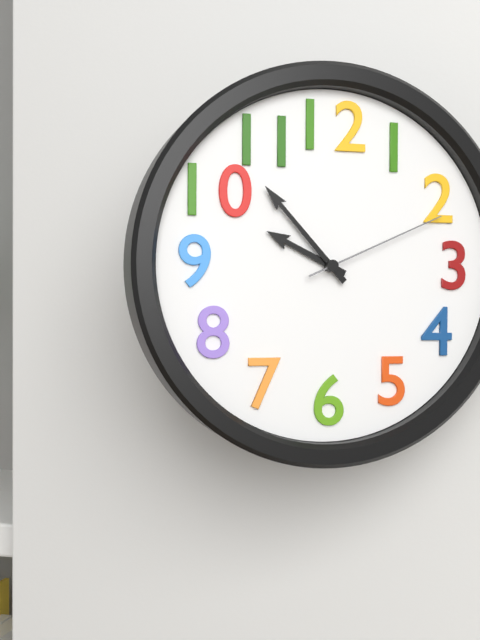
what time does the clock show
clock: 9:53:11
